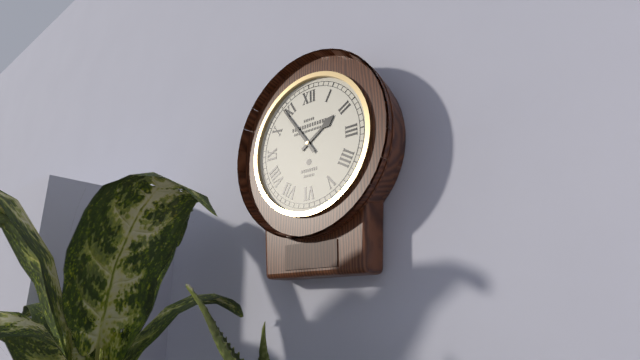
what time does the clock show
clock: 1:54
